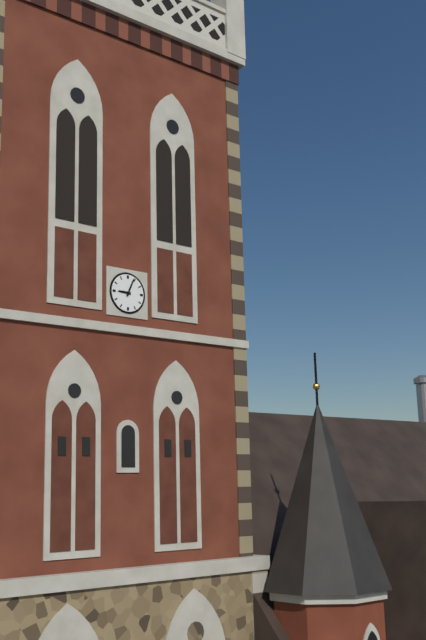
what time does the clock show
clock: 9:04
